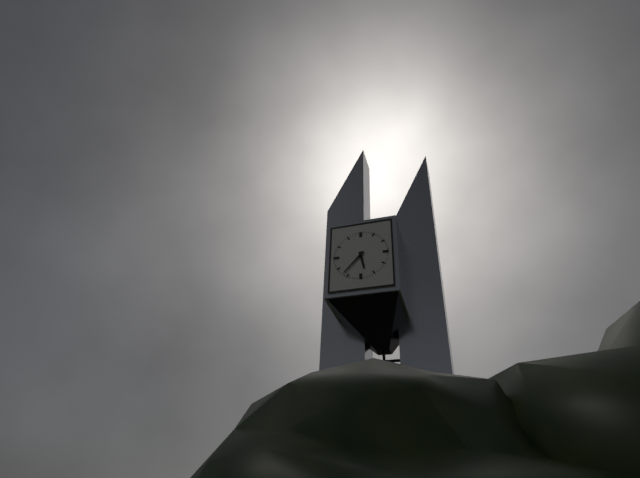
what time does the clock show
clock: 5:37
